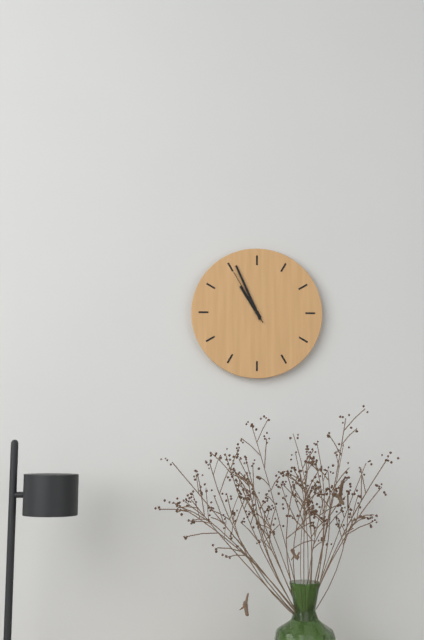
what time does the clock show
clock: 10:56:55
